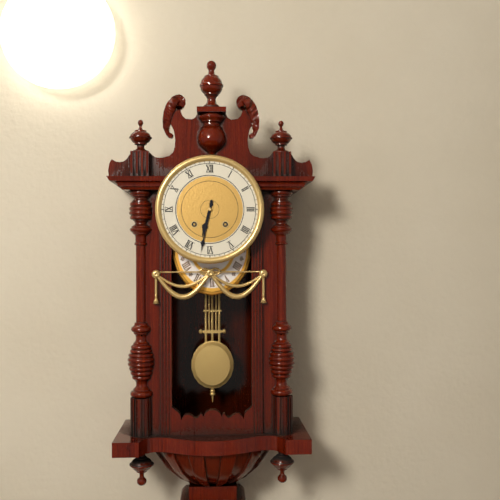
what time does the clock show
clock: 6:32
